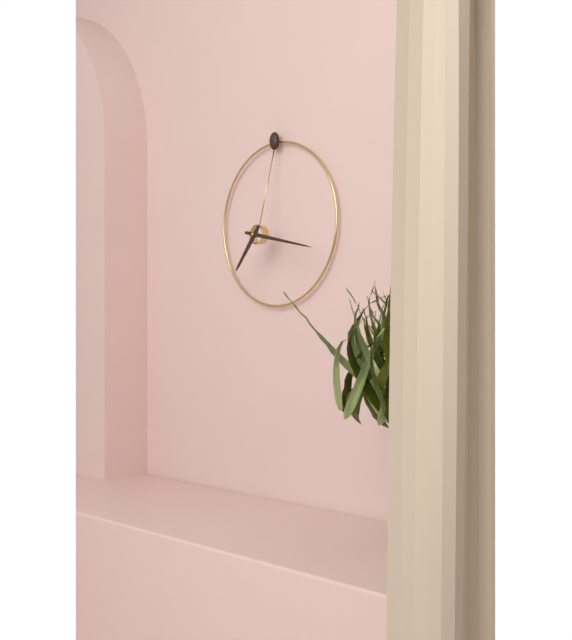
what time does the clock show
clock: 7:17
